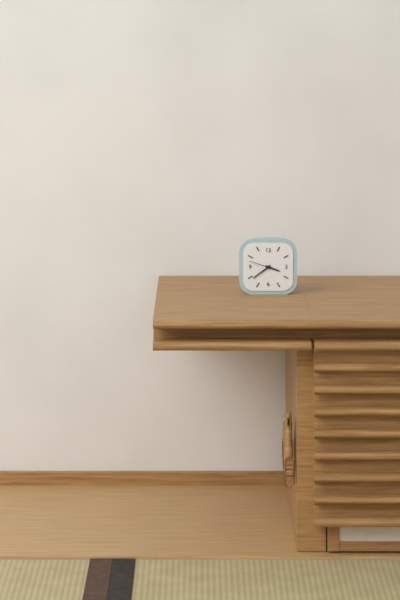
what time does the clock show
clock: 3:39
